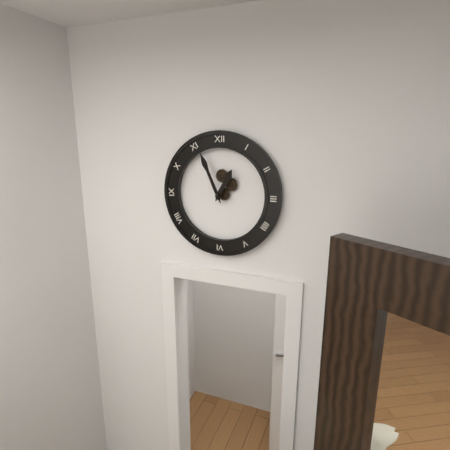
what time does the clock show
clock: 12:56
